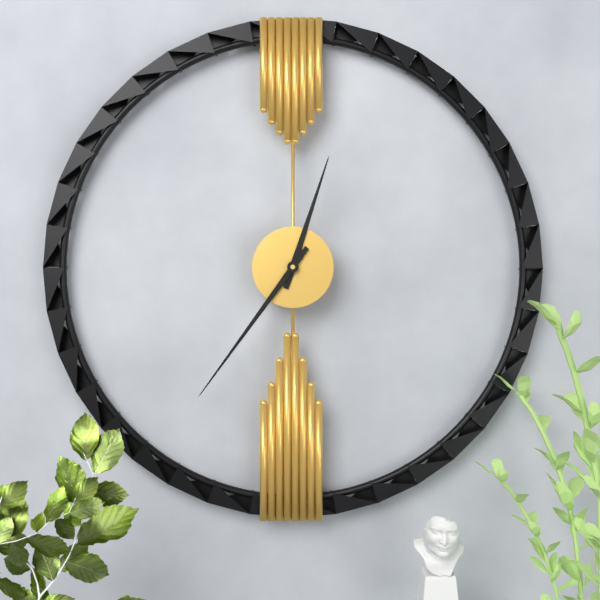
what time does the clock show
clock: 12:36
